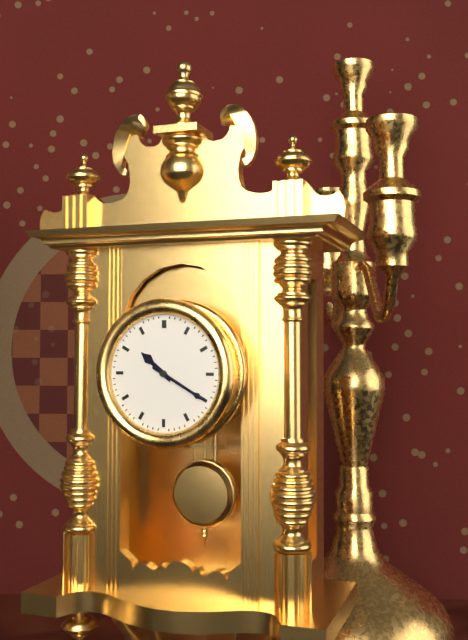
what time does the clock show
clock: 10:20
